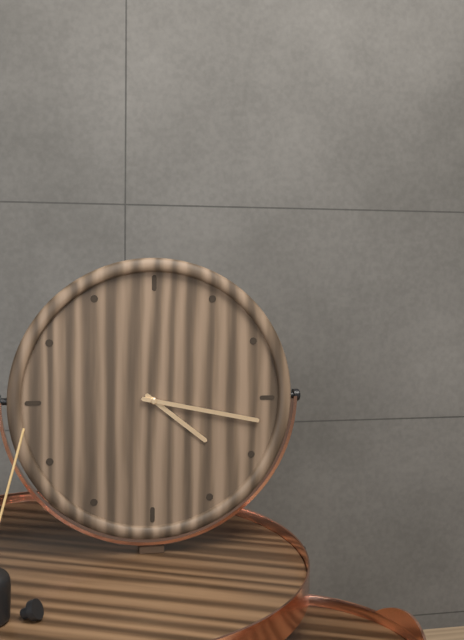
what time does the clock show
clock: 4:17
